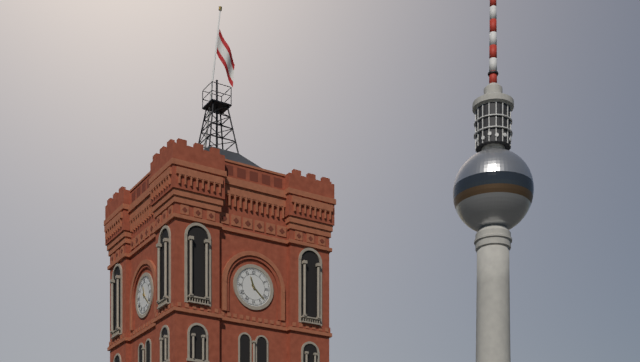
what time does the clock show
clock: 11:22
